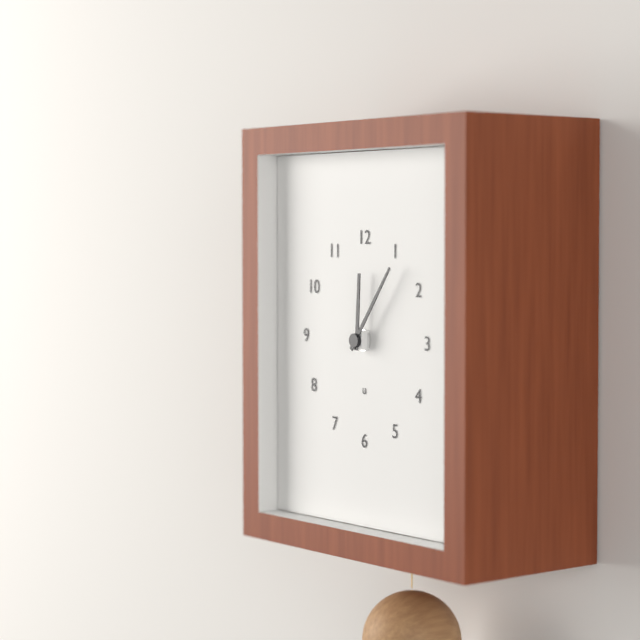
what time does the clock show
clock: 12:06
